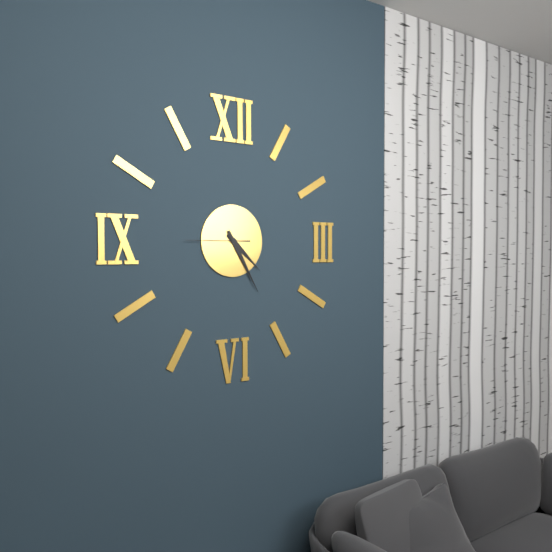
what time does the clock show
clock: 4:25:45
